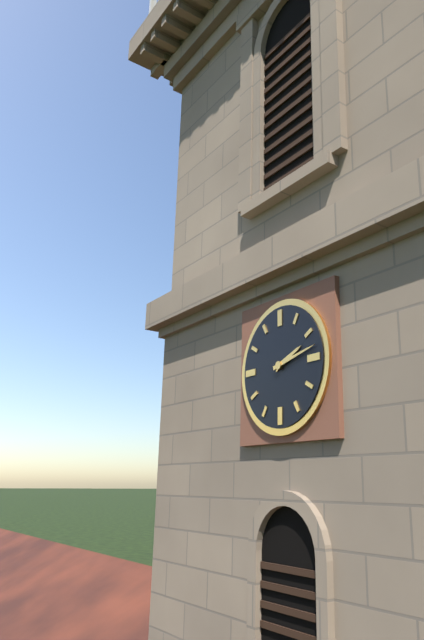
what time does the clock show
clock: 2:13
